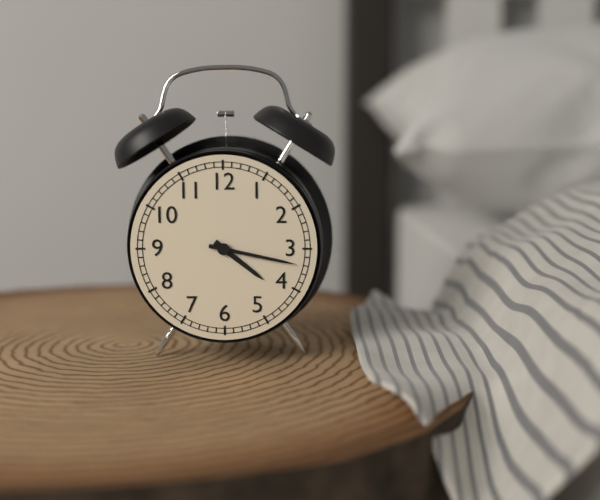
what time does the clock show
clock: 4:17
